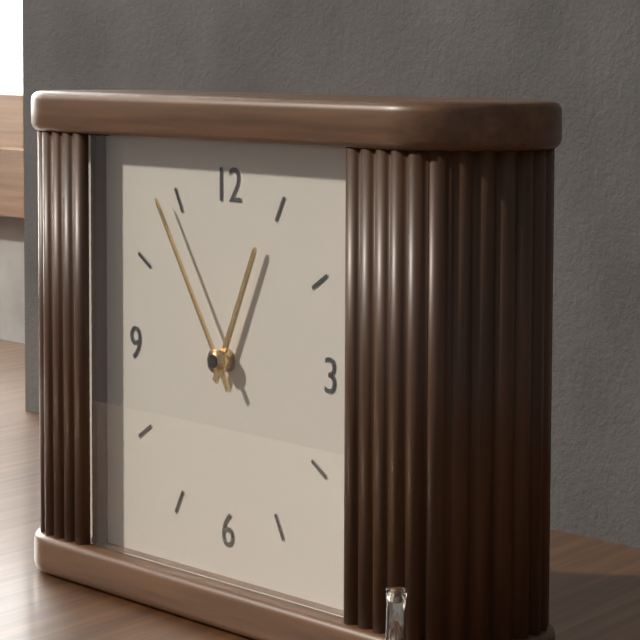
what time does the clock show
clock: 12:54
